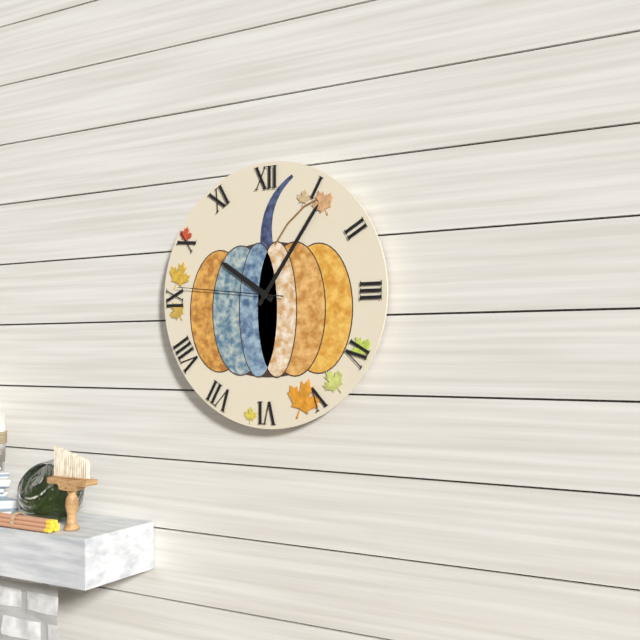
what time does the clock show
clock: 10:06:46
